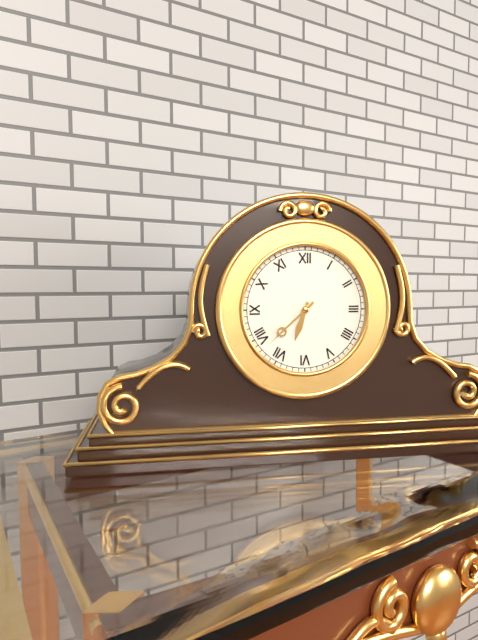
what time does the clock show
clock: 6:38
